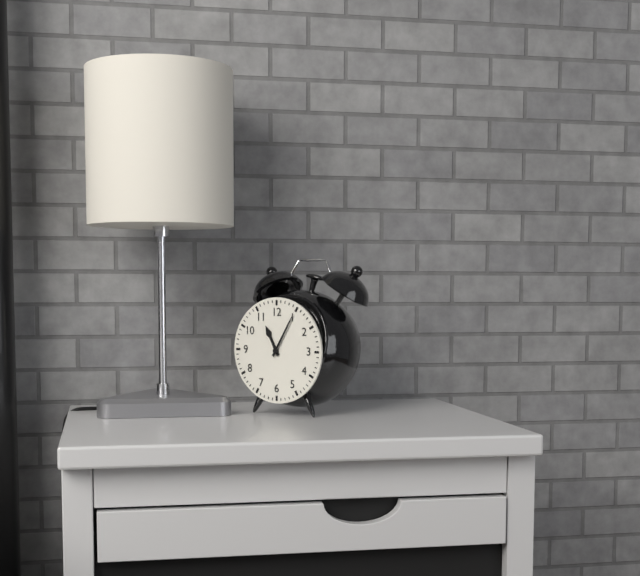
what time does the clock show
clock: 11:05
